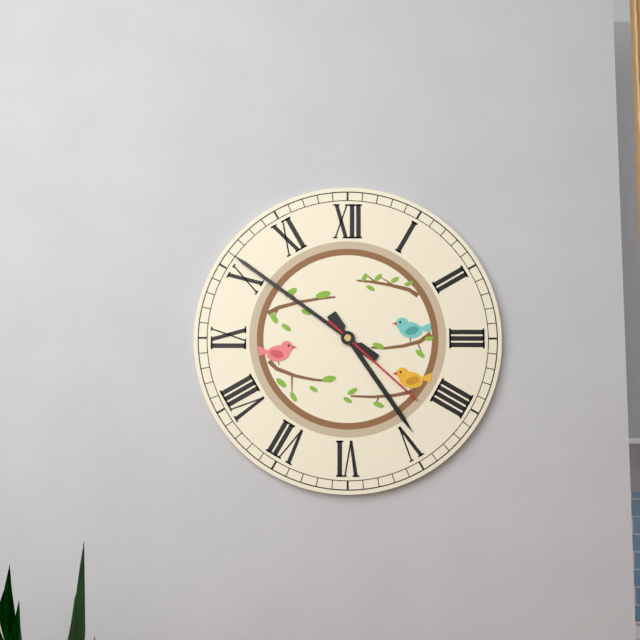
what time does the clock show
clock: 4:51:22
